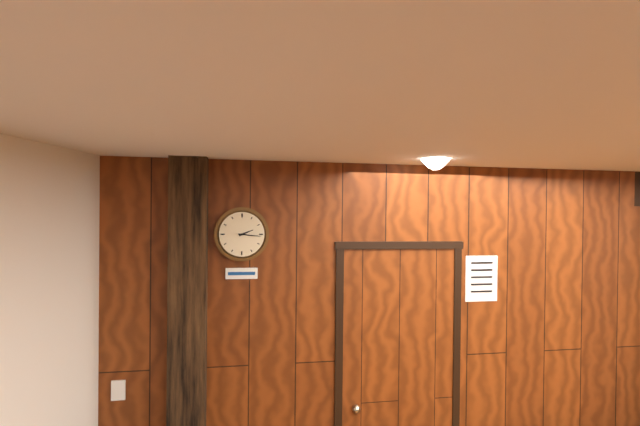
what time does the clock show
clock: 2:16
